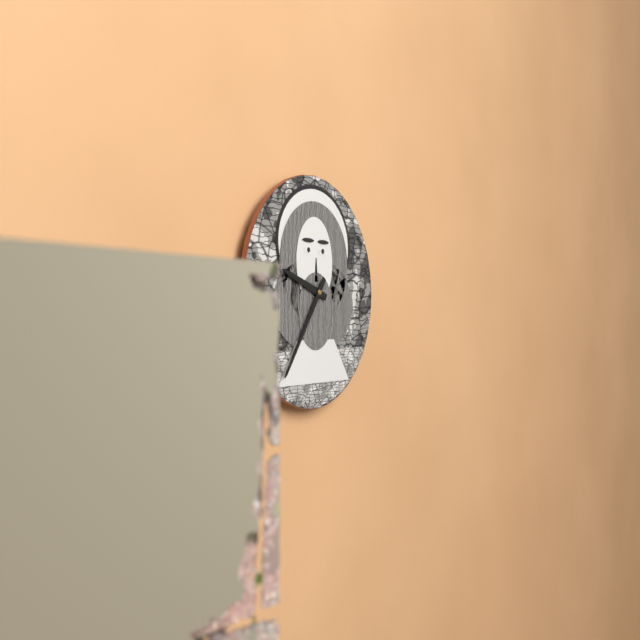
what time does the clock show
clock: 9:36
